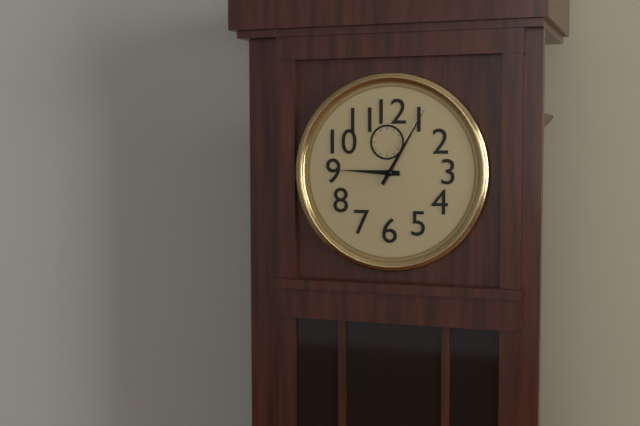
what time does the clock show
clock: 9:05
